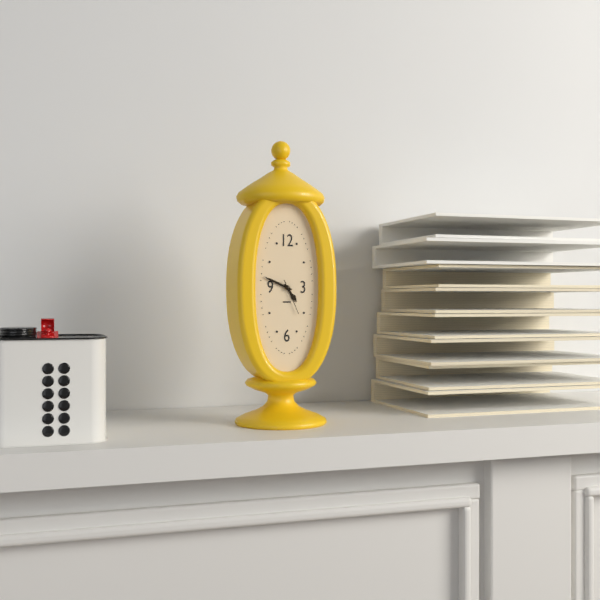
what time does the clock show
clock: 4:49
